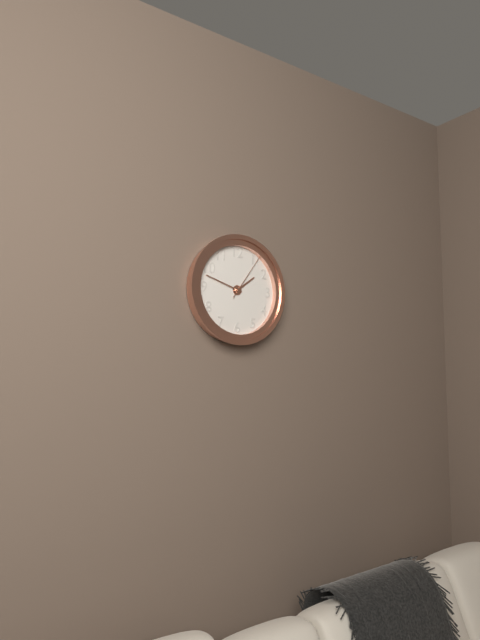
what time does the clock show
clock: 1:48
